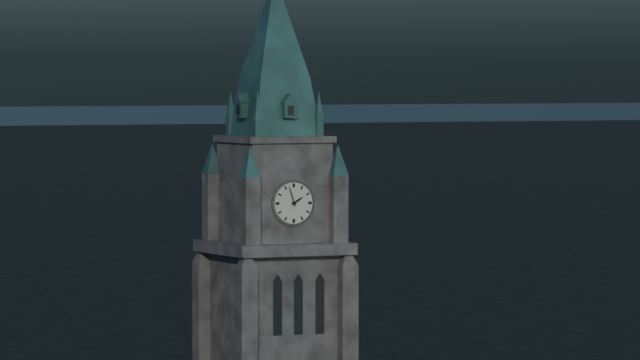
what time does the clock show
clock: 1:57
